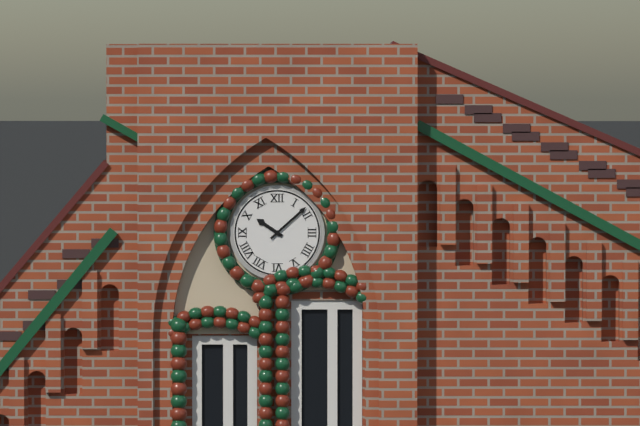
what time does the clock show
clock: 10:08
